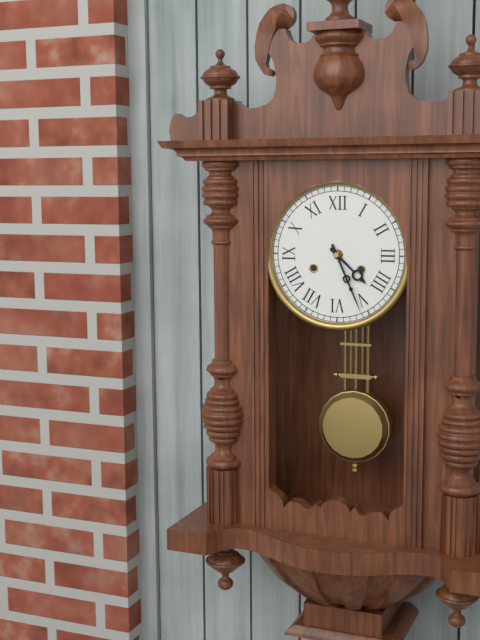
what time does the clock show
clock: 4:26
